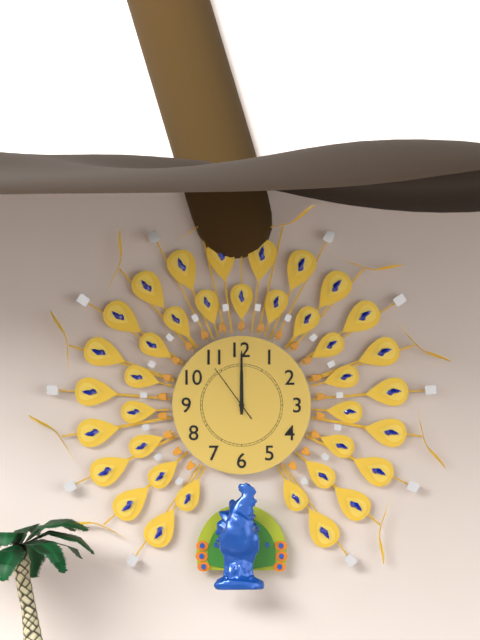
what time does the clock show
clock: 12:00:54
